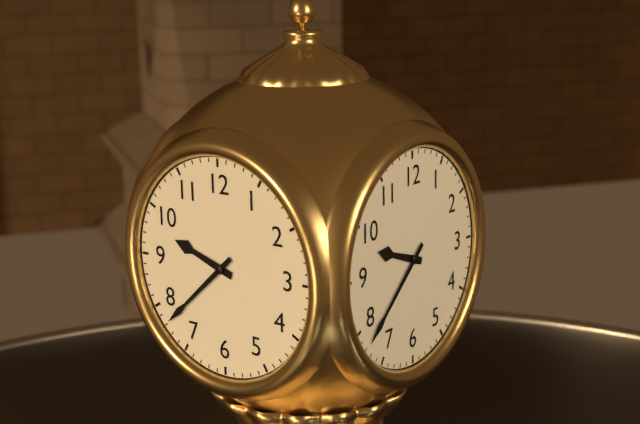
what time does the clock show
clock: 9:38
